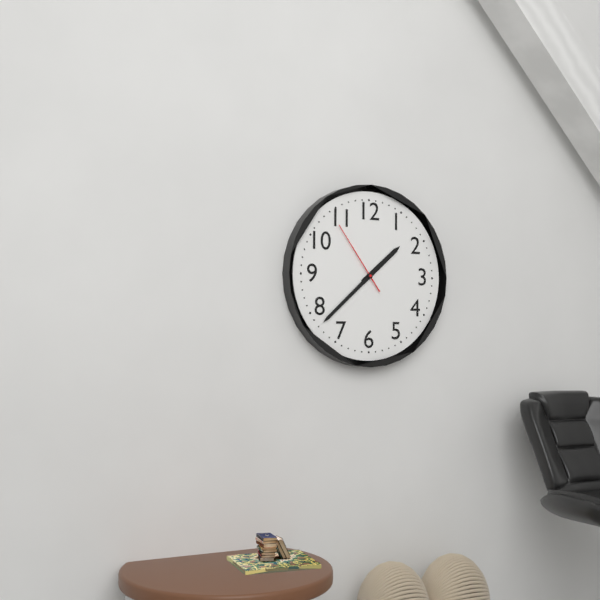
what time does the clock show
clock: 1:38:54
